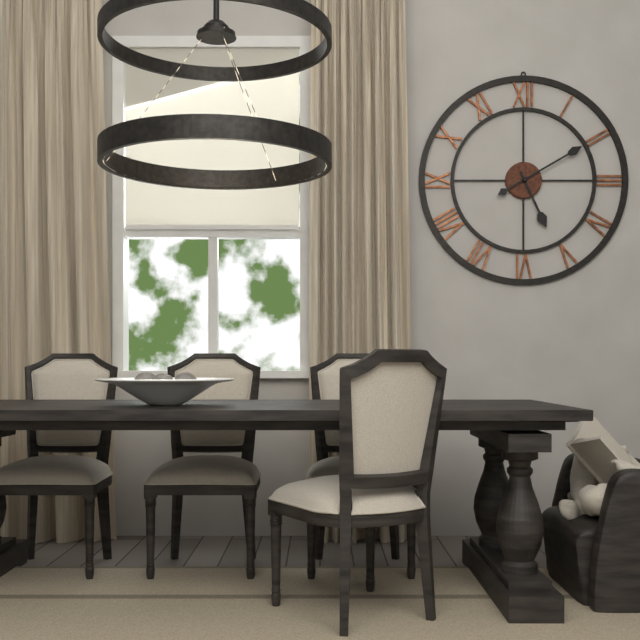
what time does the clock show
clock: 5:10
